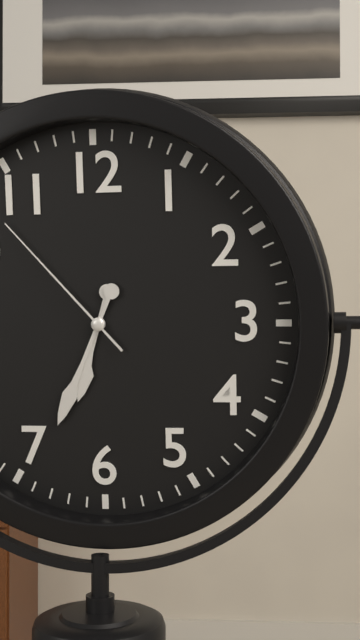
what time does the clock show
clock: 6:34:53
